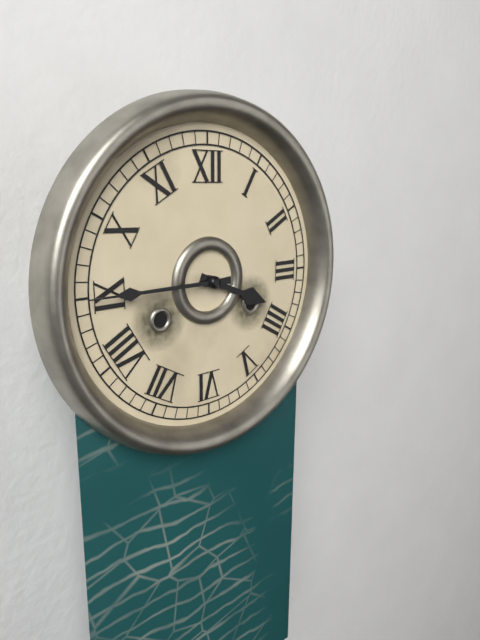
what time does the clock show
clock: 3:45
